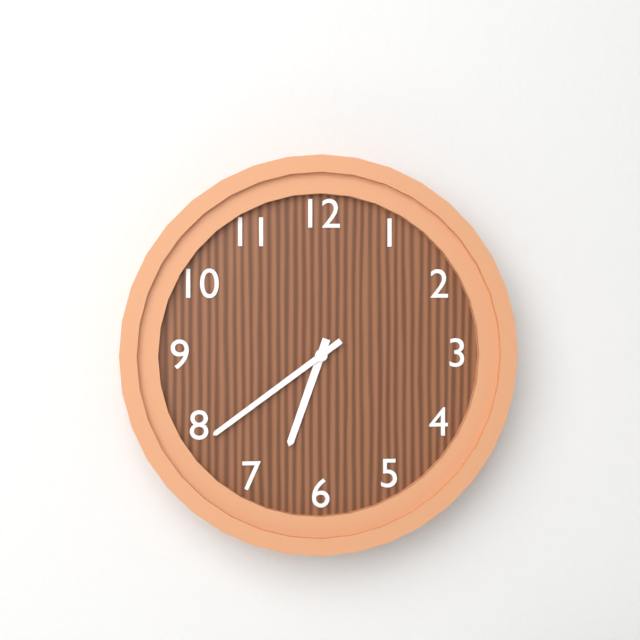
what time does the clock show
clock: 6:39
